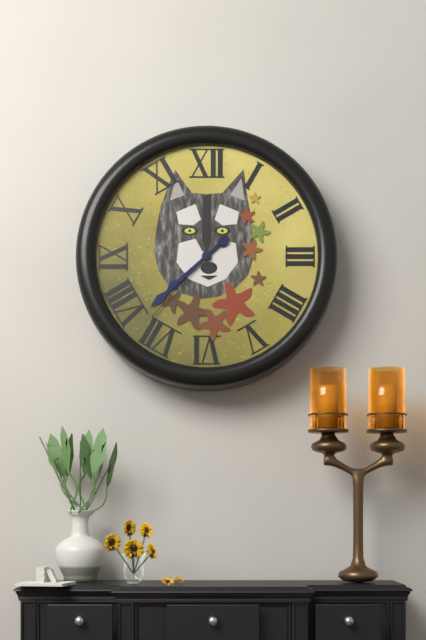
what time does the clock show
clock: 7:38:37
